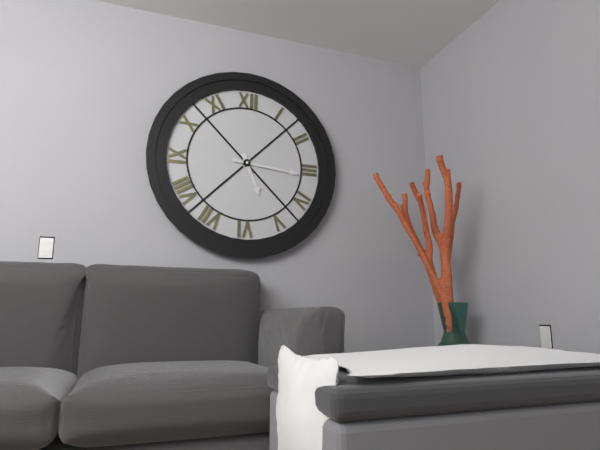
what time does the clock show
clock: 5:16
